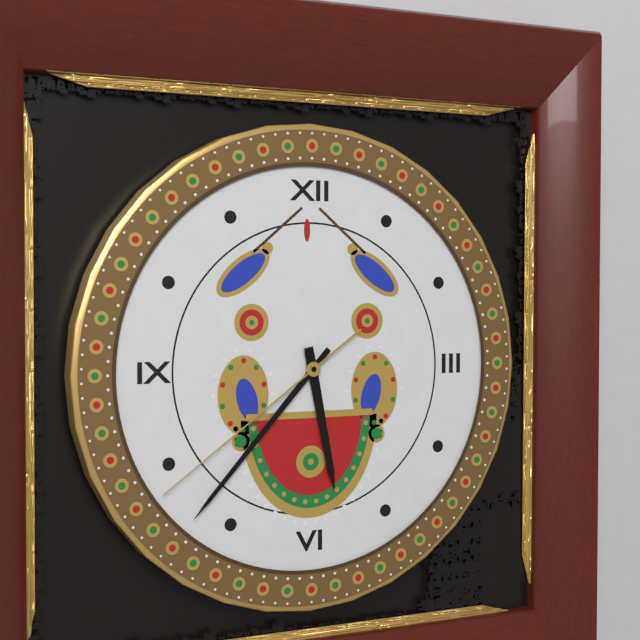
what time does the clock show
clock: 5:37:39
